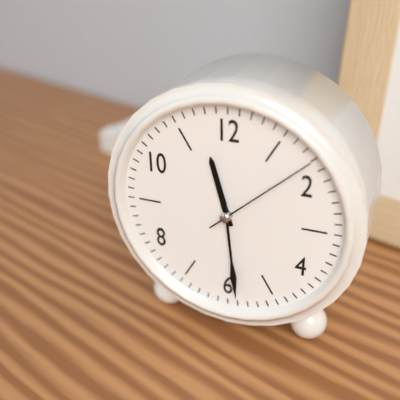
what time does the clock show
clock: 11:29:08
